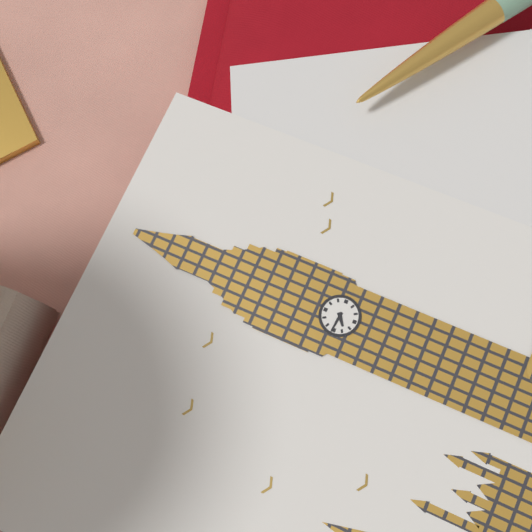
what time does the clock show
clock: 7:46
